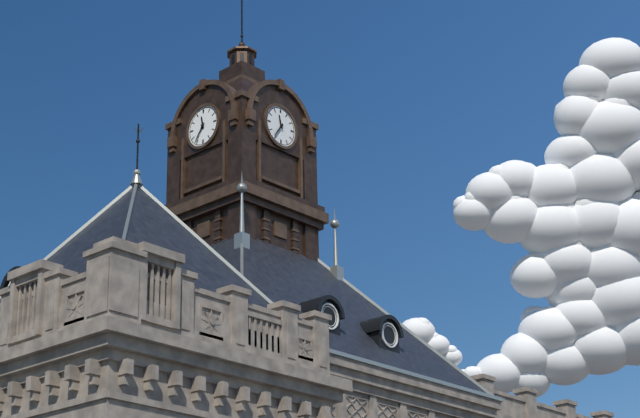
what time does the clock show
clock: 11:36
